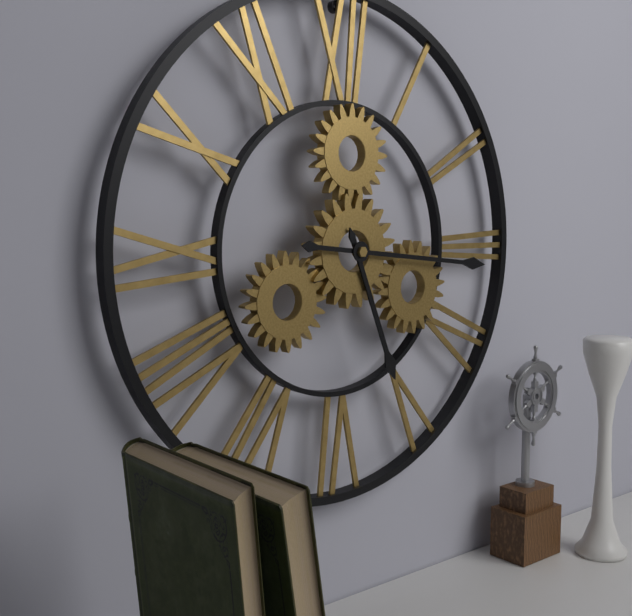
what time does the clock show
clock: 5:16
